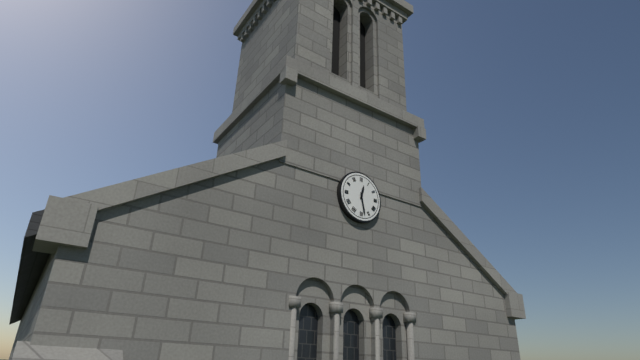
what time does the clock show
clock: 12:28
